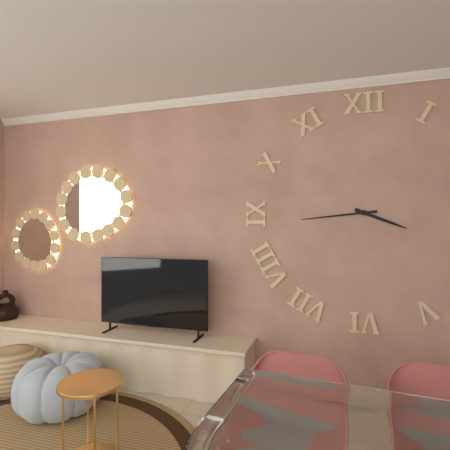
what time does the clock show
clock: 3:44
